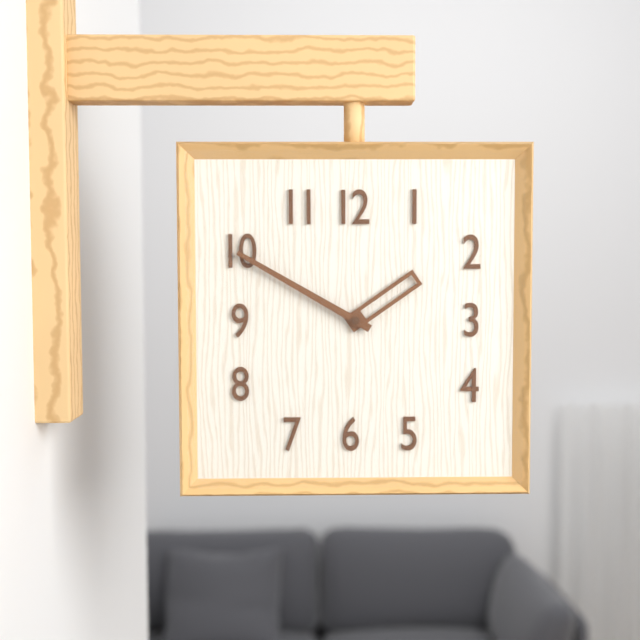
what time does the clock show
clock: 1:50
